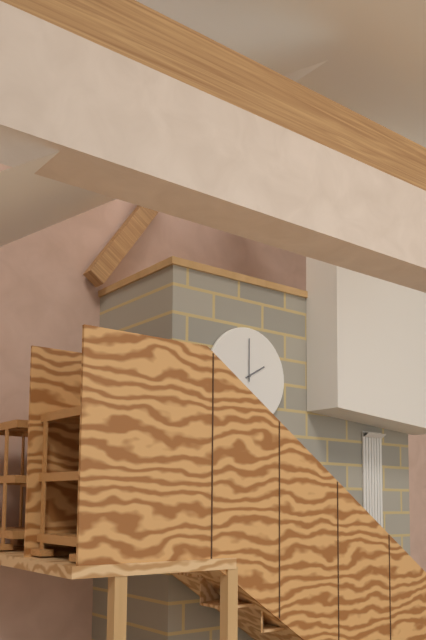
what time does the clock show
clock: 2:00
